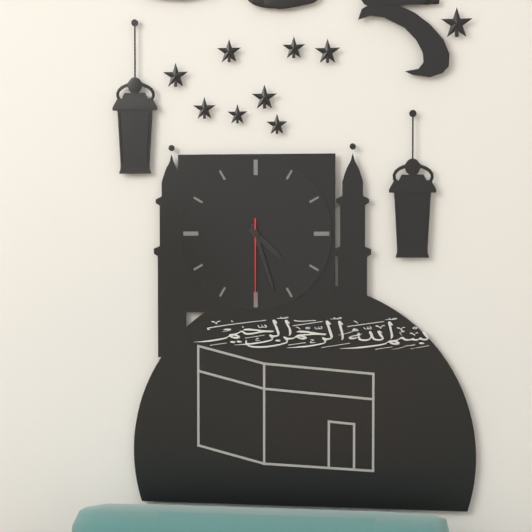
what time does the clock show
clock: 4:27:30
